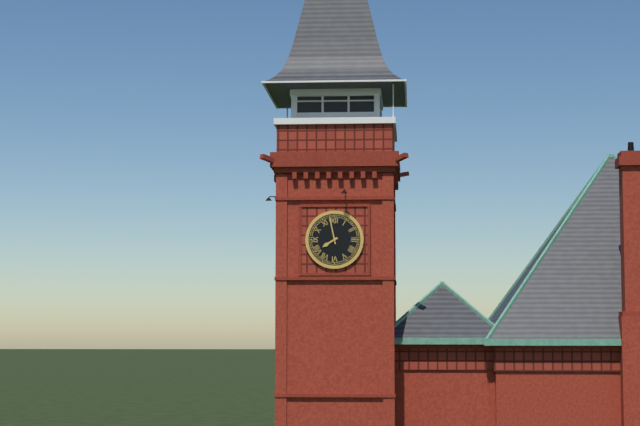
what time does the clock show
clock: 7:58
